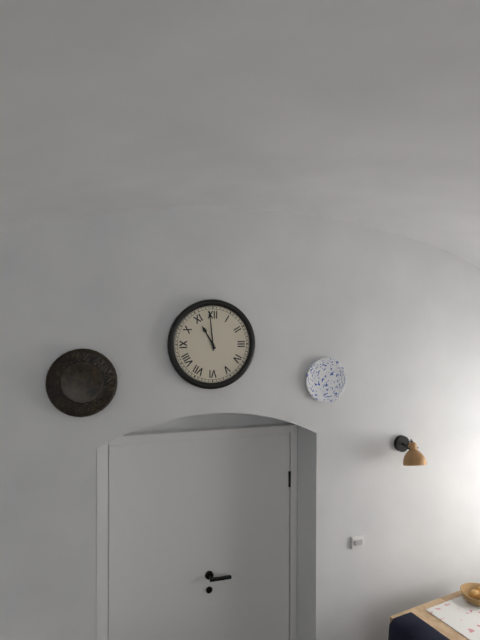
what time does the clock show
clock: 10:59
